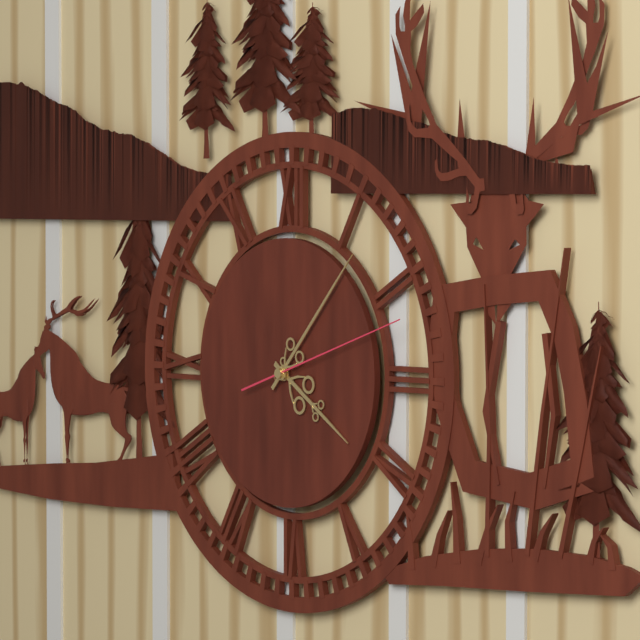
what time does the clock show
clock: 4:07:12
